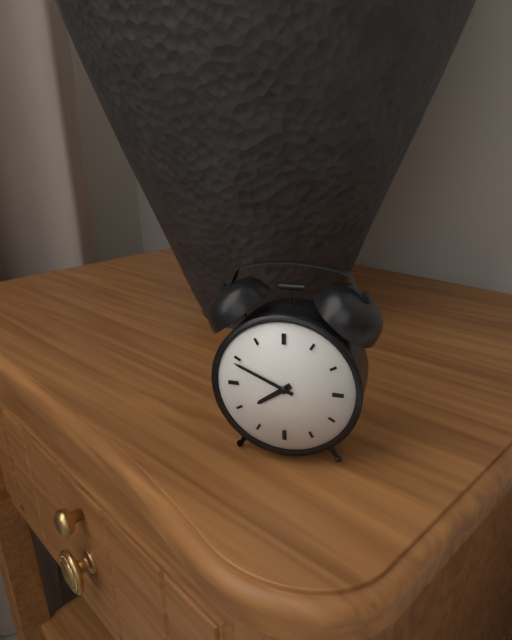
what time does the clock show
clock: 7:49
